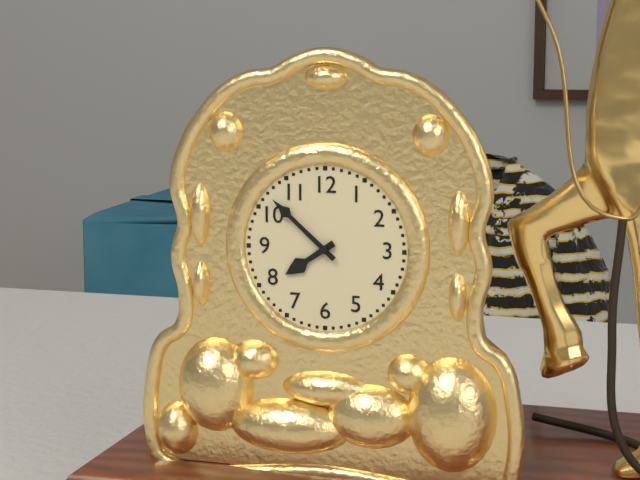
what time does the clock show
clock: 7:52
